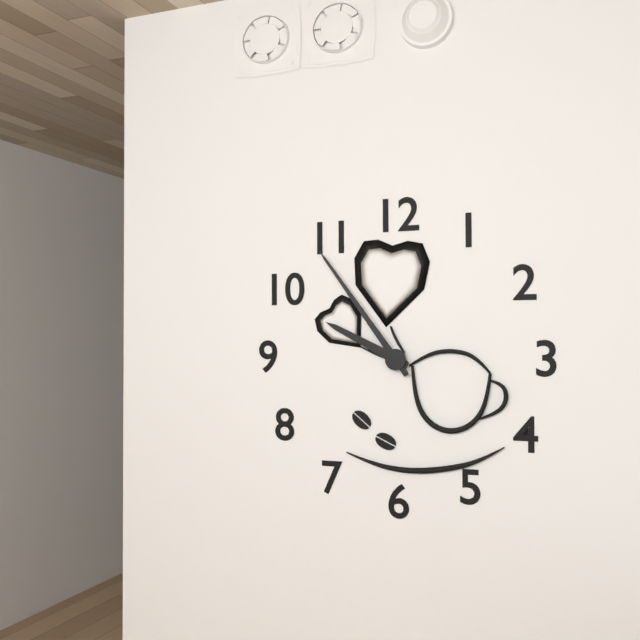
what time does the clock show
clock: 9:54
